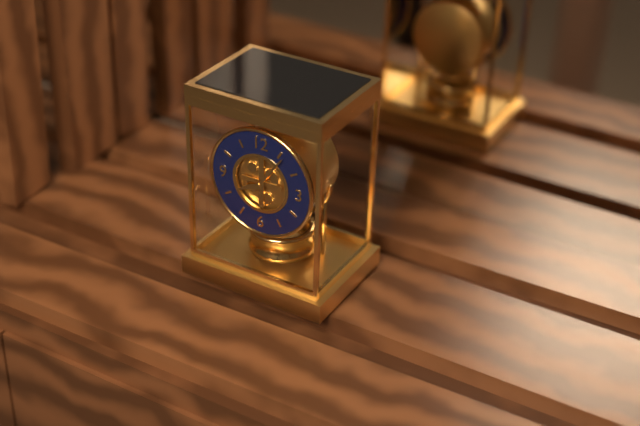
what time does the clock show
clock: 8:06
